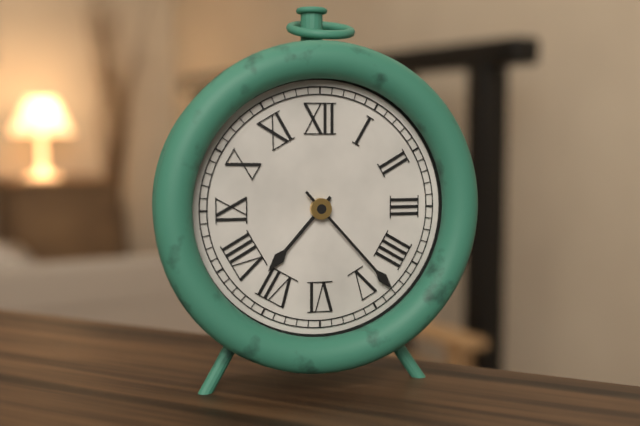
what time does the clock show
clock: 7:23
